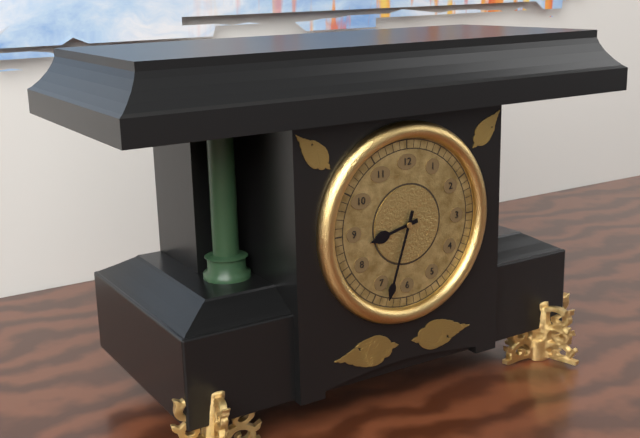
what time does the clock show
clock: 8:33
